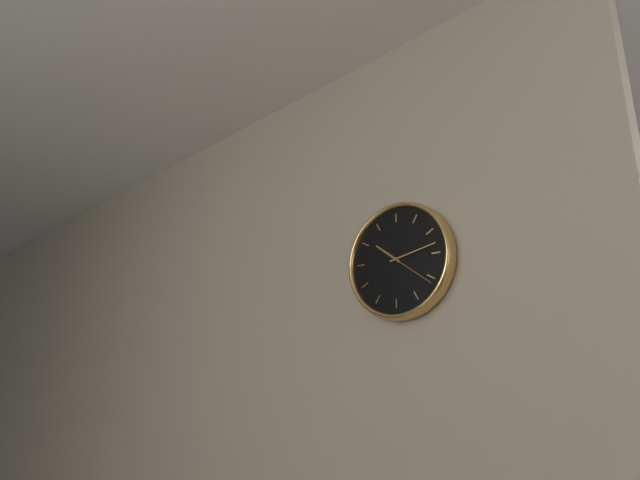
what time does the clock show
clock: 10:13
